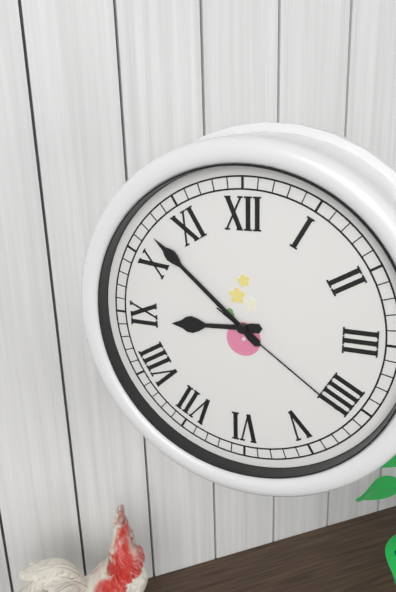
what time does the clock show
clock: 8:52:21
